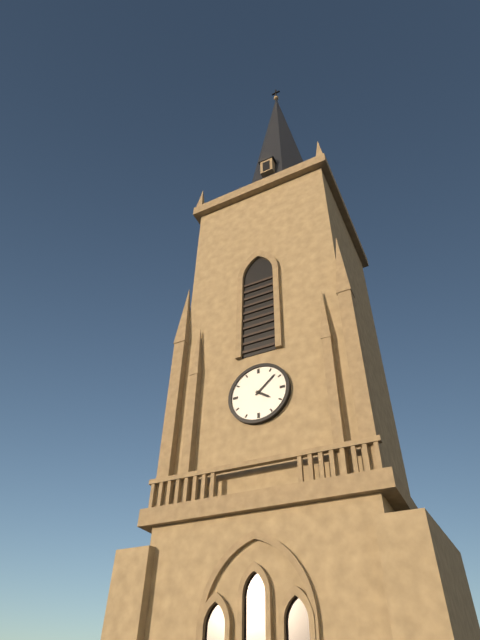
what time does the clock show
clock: 4:08
